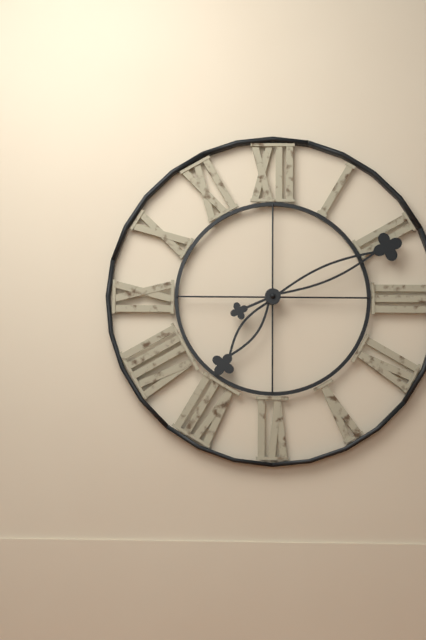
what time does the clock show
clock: 7:11
